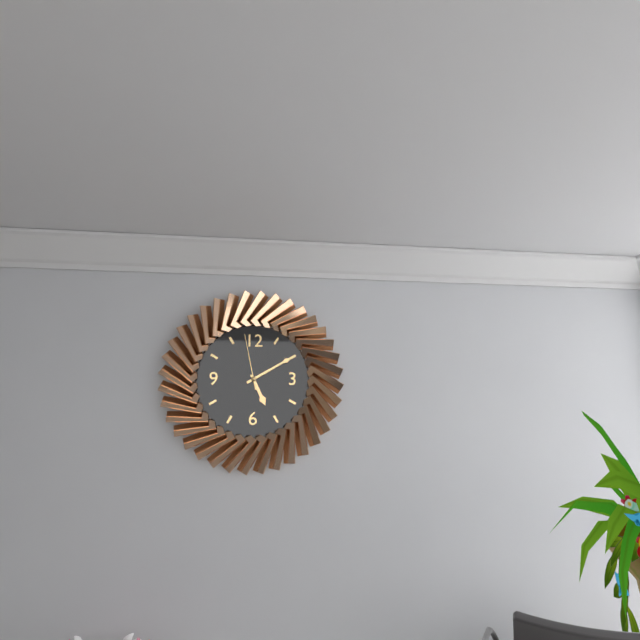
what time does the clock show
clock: 5:10:58
